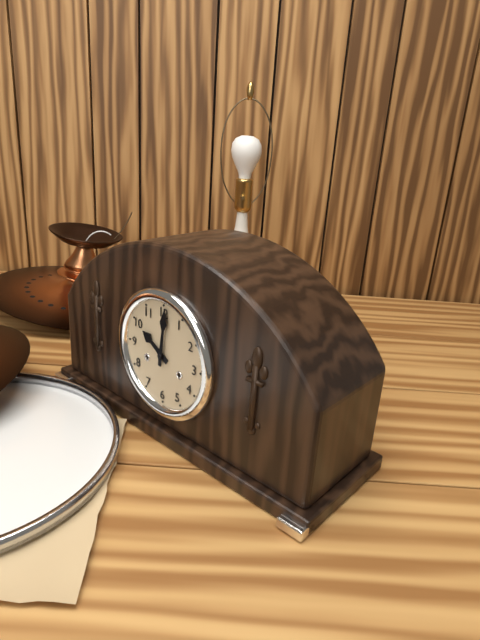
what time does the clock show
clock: 10:01
